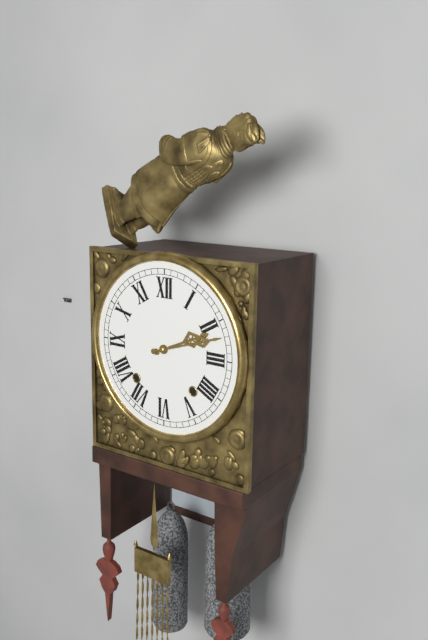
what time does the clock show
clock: 2:12
